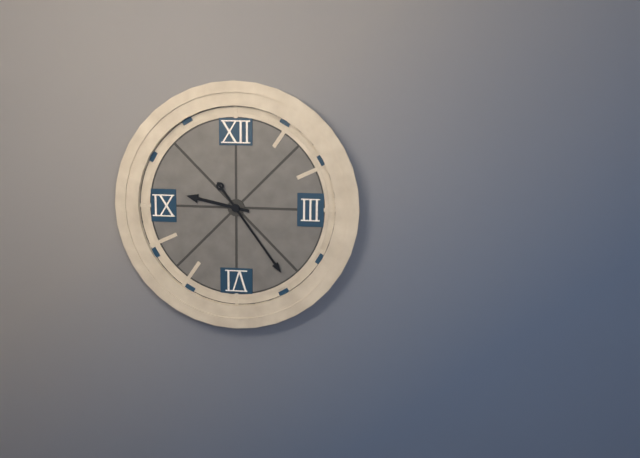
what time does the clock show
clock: 9:24
